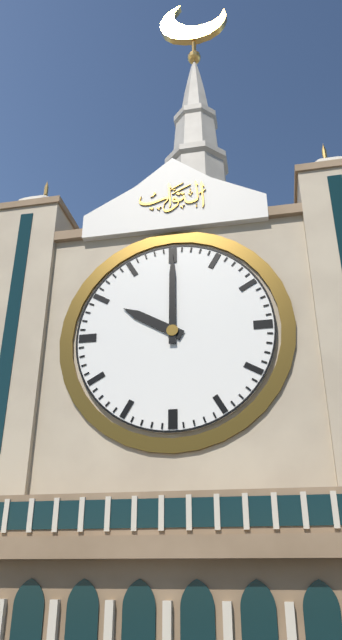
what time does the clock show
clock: 10:00
